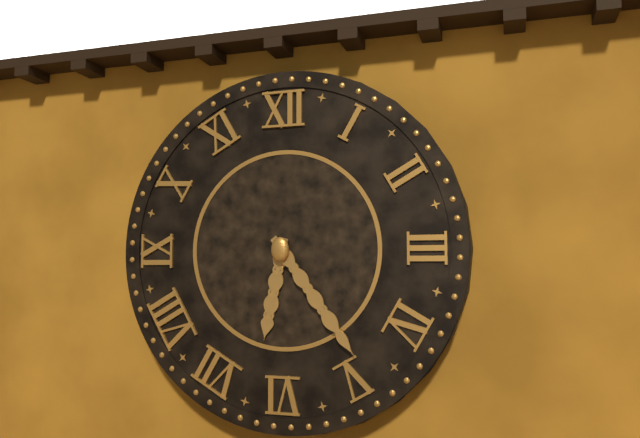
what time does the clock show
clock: 6:24
